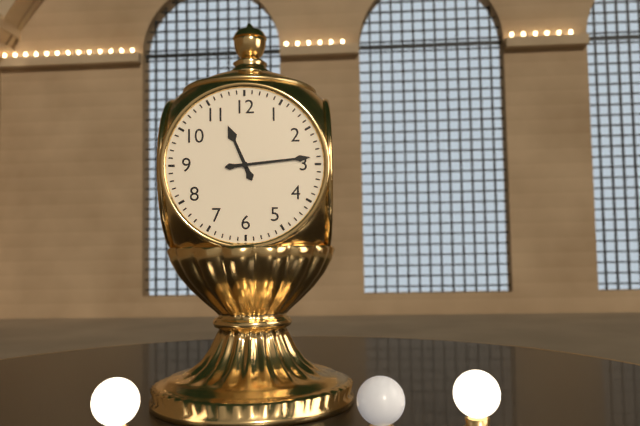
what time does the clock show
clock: 11:14
